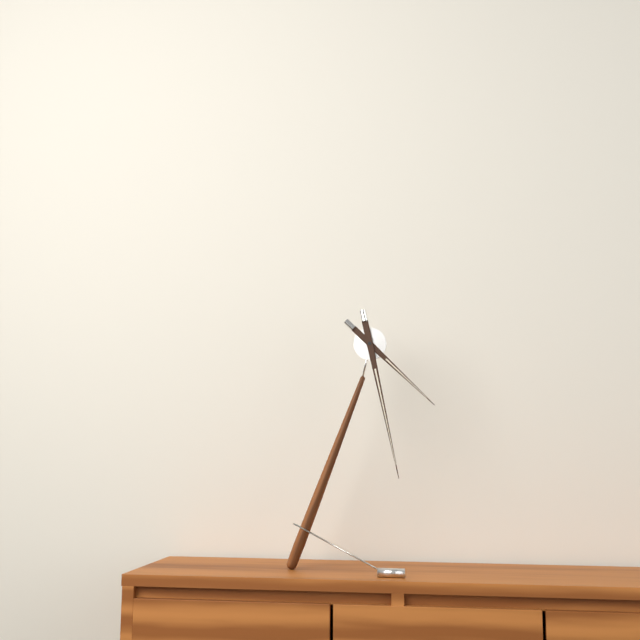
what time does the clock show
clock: 4:28
